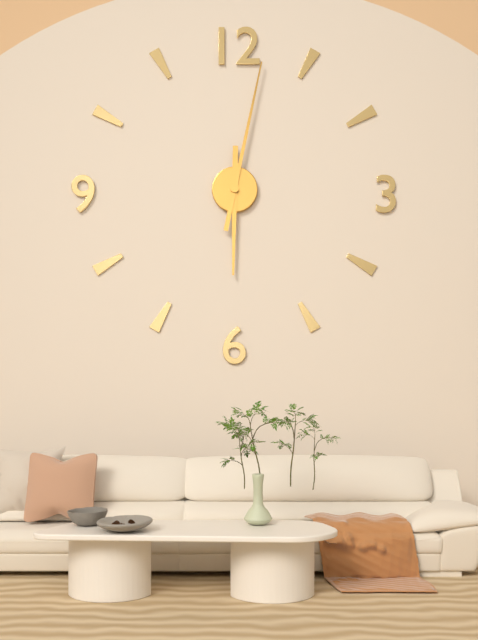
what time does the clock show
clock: 6:02
